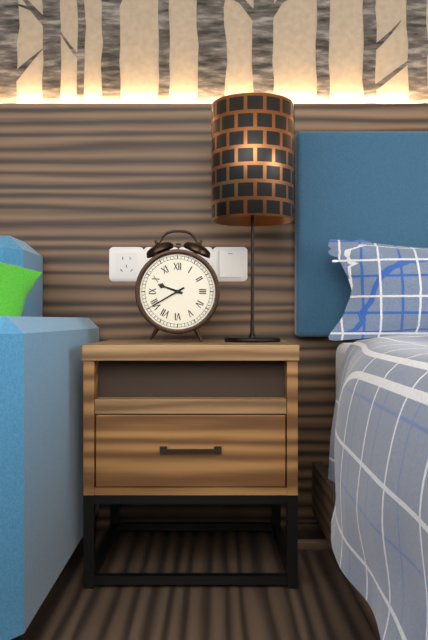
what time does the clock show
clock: 9:40
